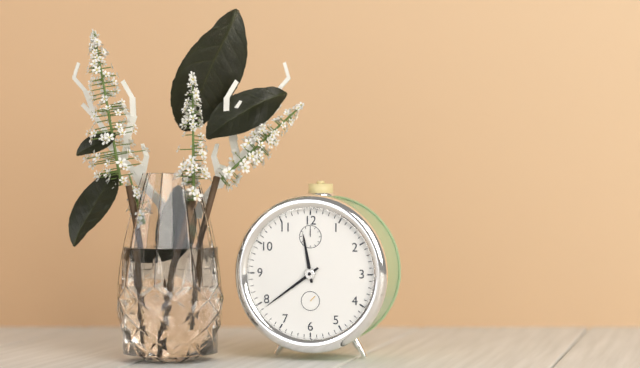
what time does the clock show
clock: 11:39
